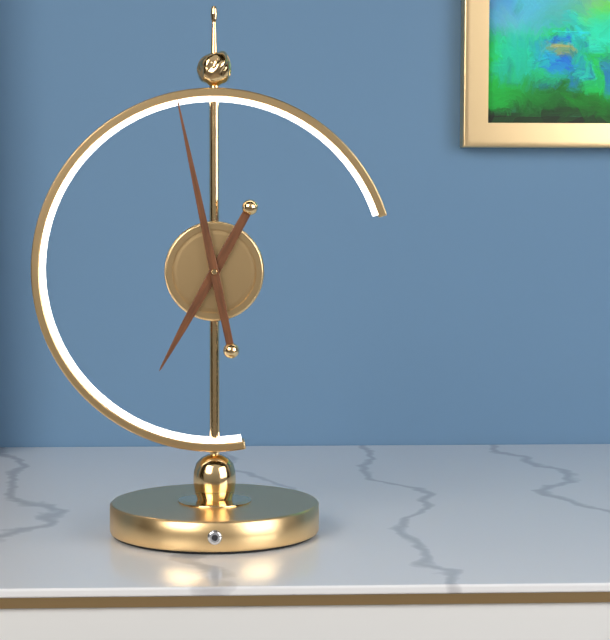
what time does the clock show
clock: 6:58
